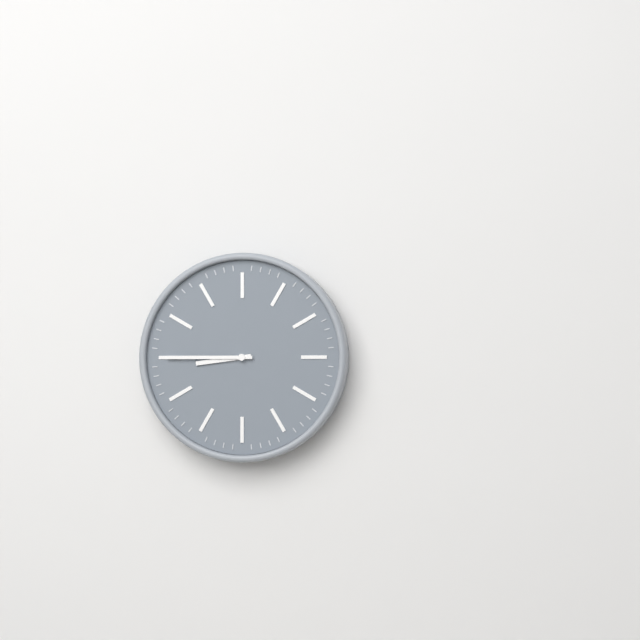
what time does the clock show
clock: 8:45
